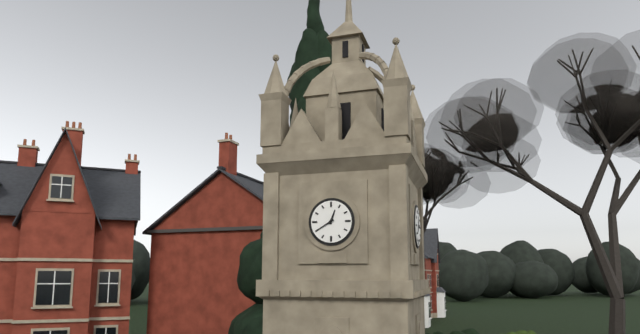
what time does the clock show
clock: 12:40
